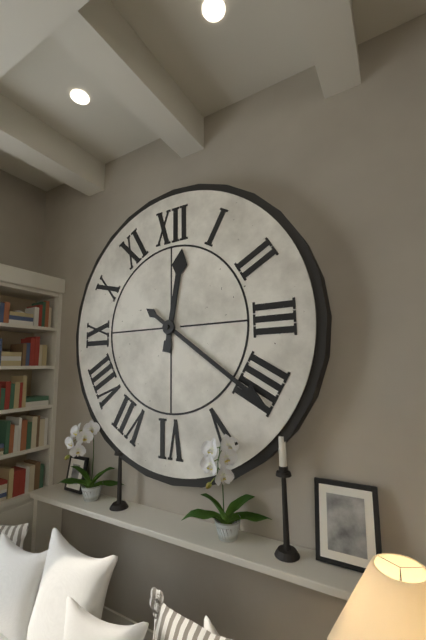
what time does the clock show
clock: 12:21
